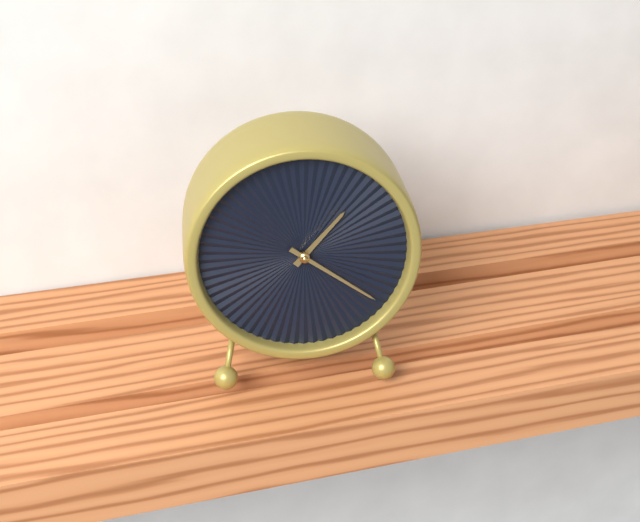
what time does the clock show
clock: 1:21
